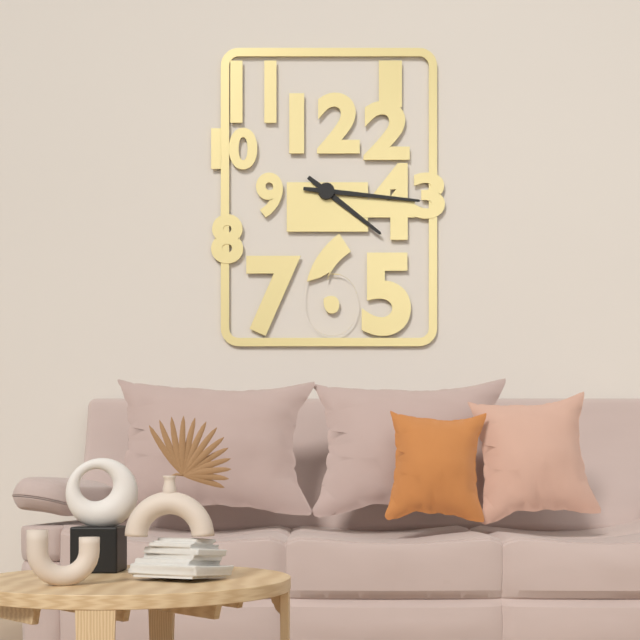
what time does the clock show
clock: 4:16
